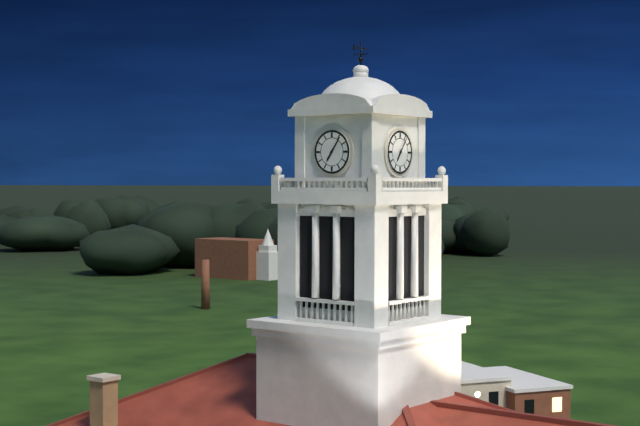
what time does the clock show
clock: 7:06
